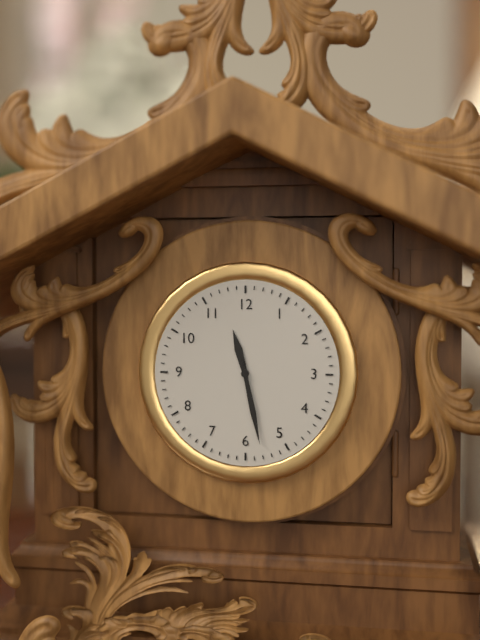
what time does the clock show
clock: 11:28
